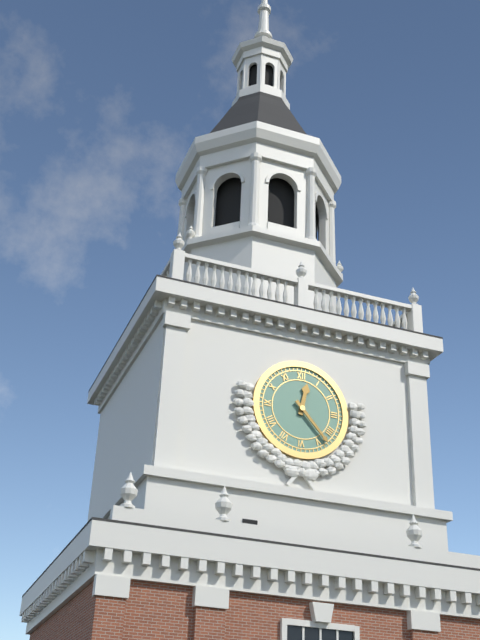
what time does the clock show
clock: 12:23
